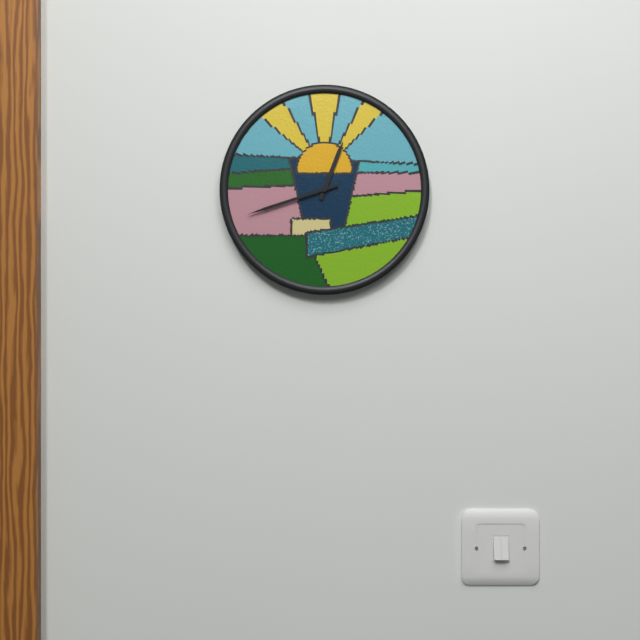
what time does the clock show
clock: 12:42
